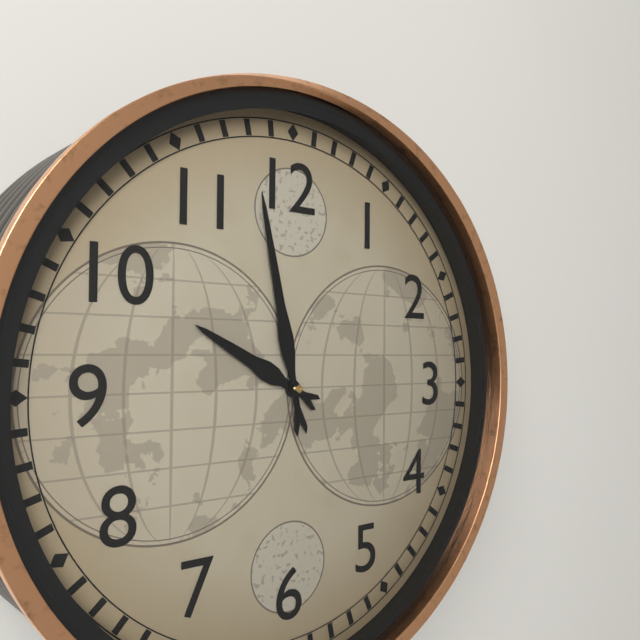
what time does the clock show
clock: 9:58
